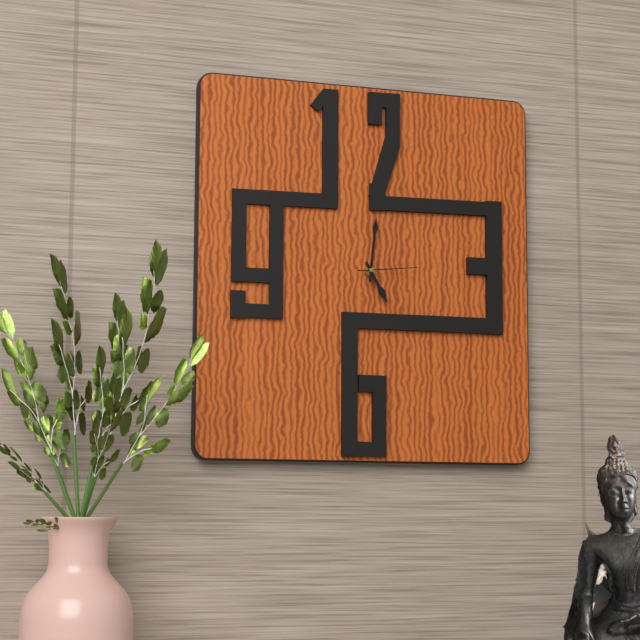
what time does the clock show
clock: 5:01:14
